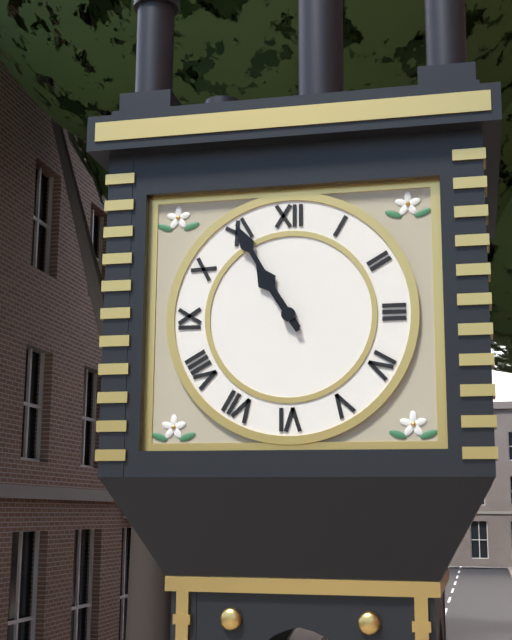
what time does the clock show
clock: 10:55
